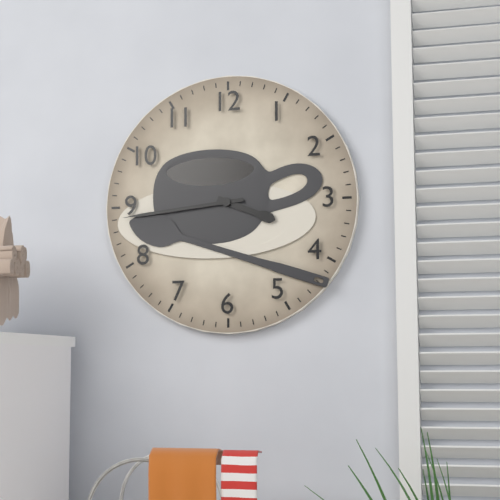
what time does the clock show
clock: 3:44
